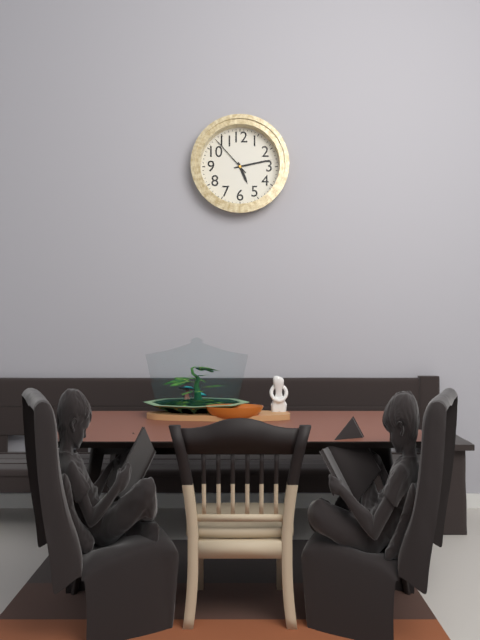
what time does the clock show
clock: 5:13
